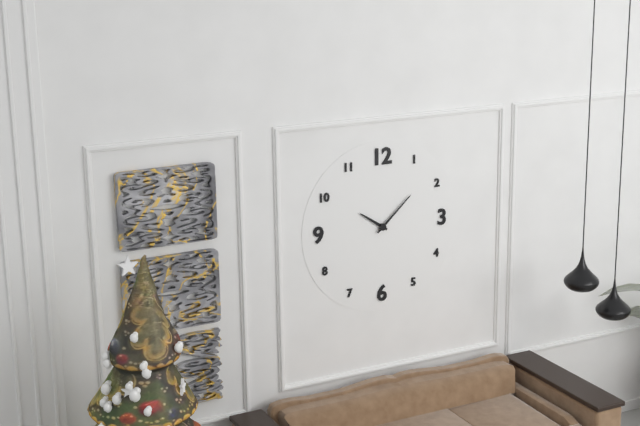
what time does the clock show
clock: 10:08
